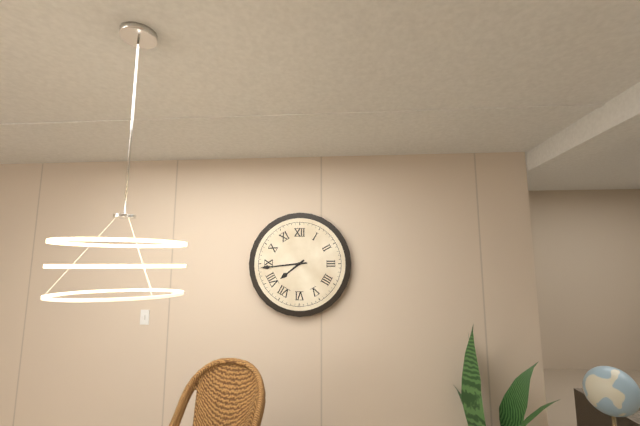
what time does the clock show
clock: 7:44
